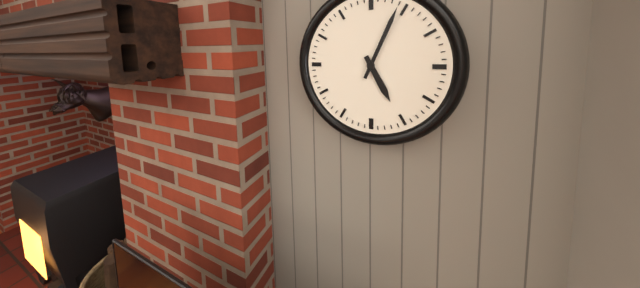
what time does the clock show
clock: 5:04
